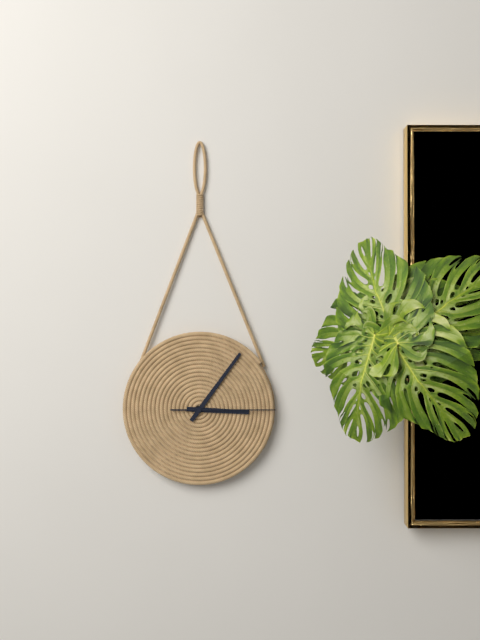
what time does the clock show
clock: 3:06:15
